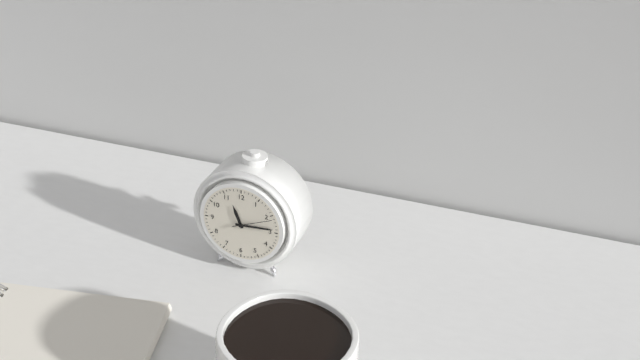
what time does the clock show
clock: 11:14
